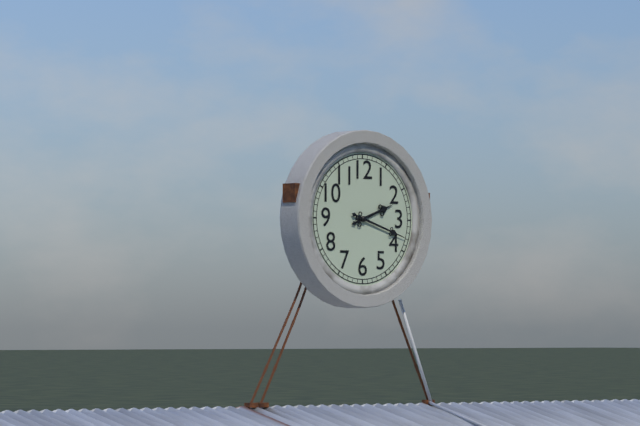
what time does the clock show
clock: 2:18
